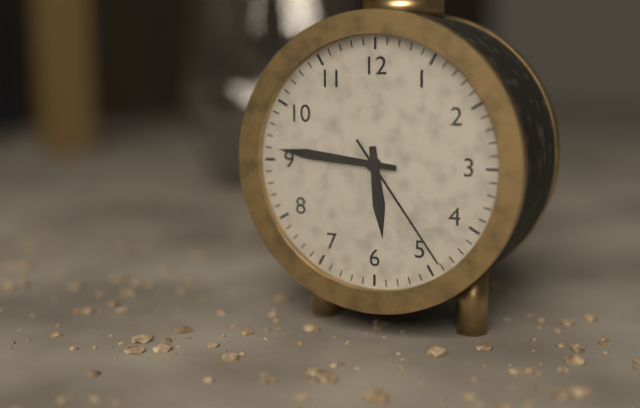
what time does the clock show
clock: 5:46:24
